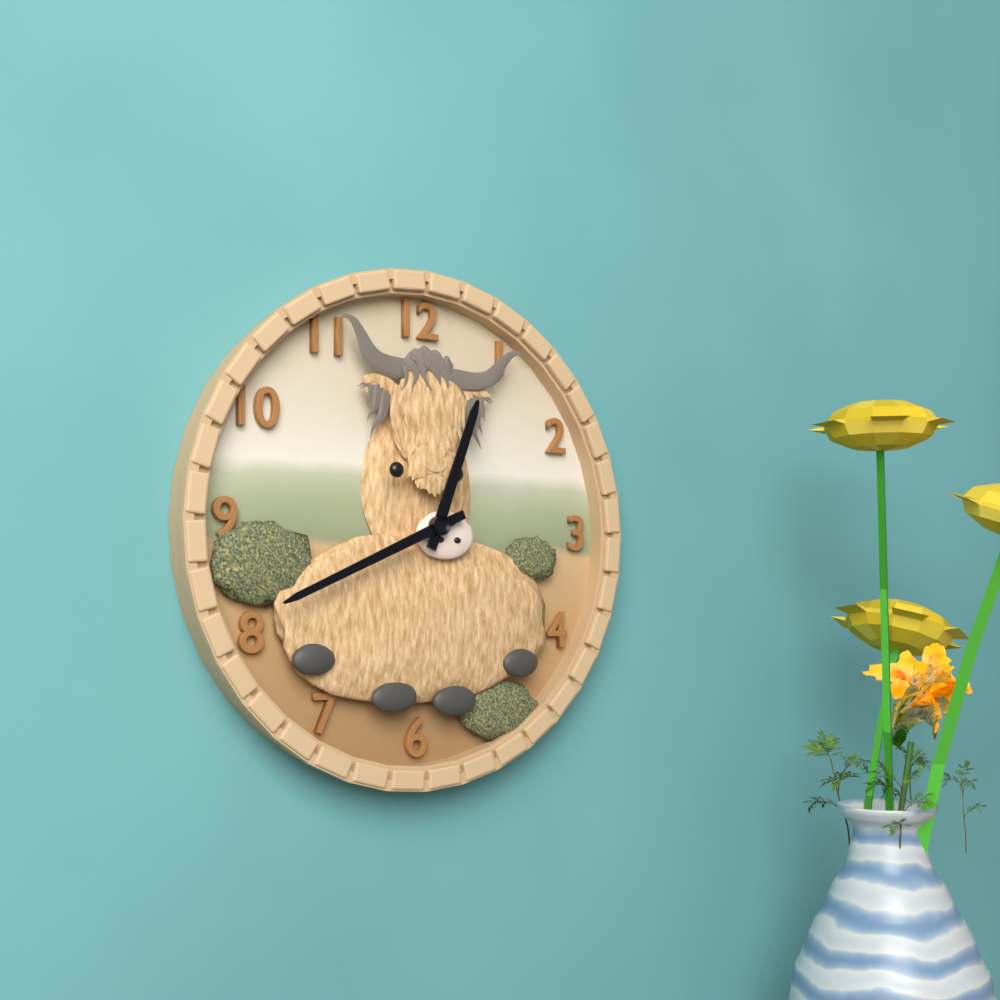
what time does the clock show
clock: 12:41
